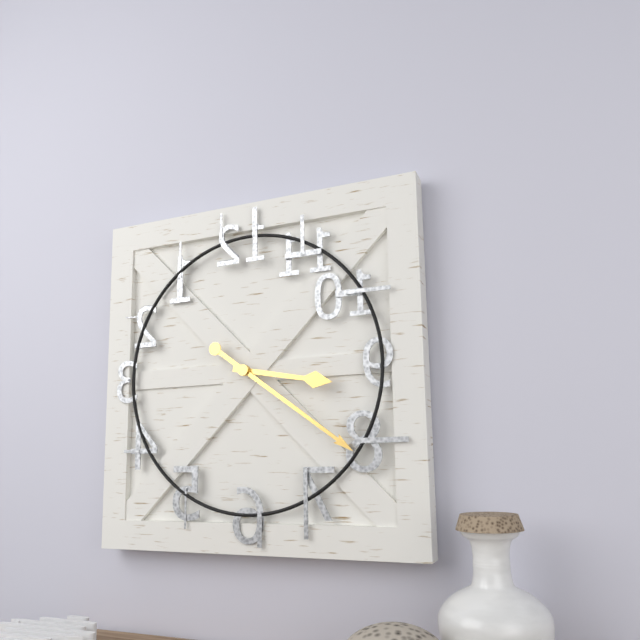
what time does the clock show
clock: 3:21
